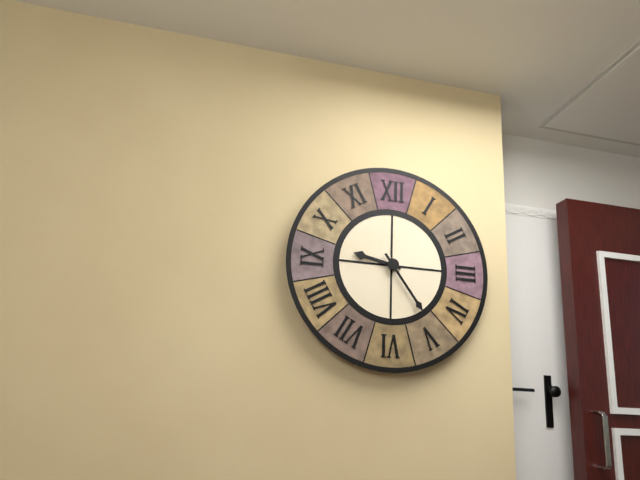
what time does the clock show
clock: 9:24
